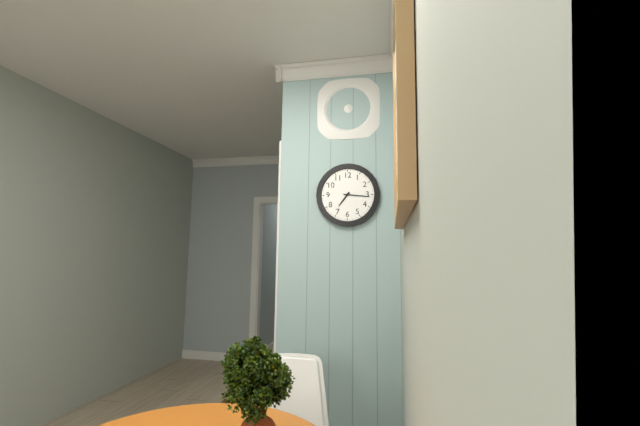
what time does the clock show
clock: 7:16
